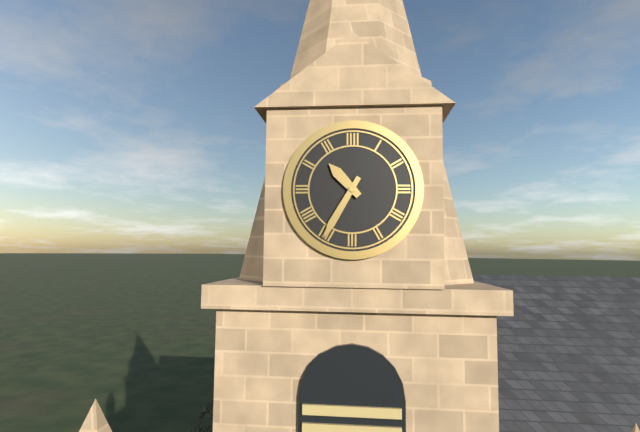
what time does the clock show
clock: 10:35
